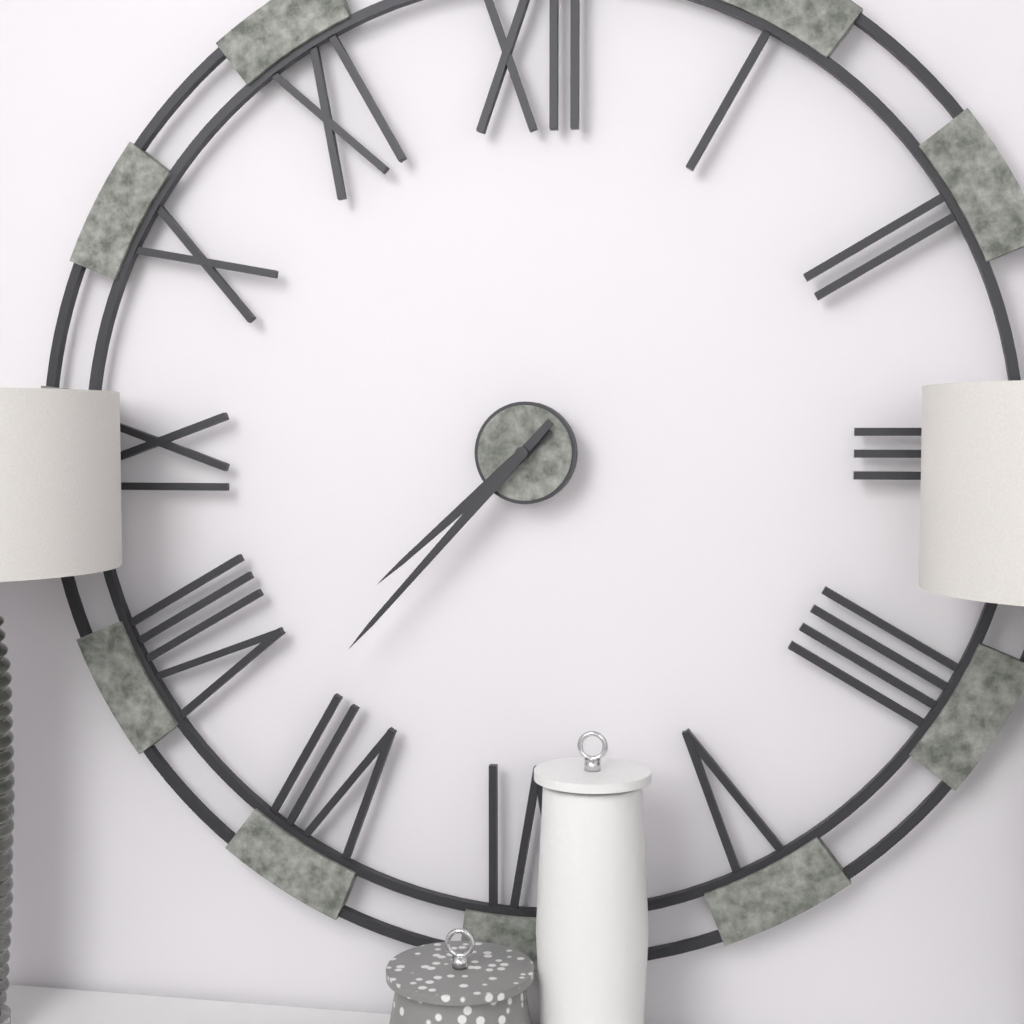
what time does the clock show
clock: 7:37
